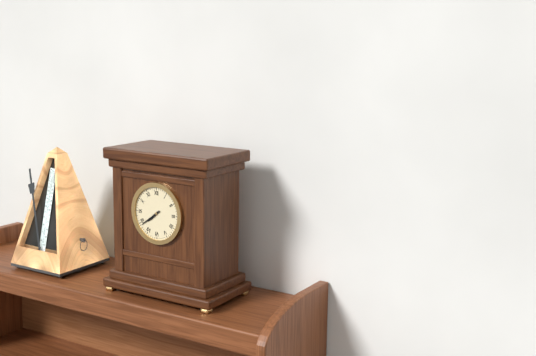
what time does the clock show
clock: 7:39
